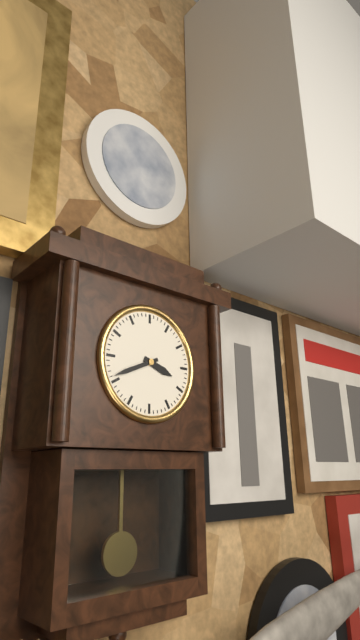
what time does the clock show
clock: 3:41
